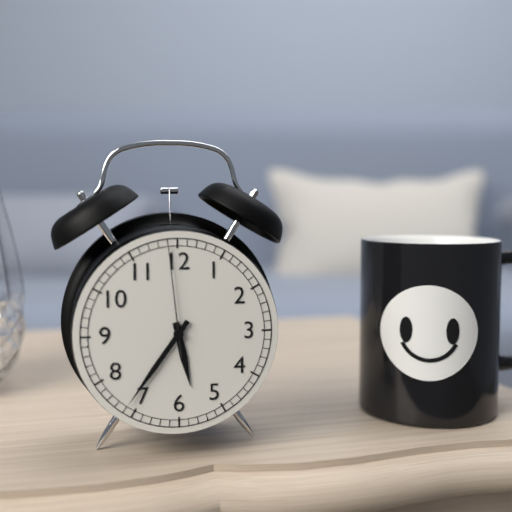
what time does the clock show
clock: 5:36:59
